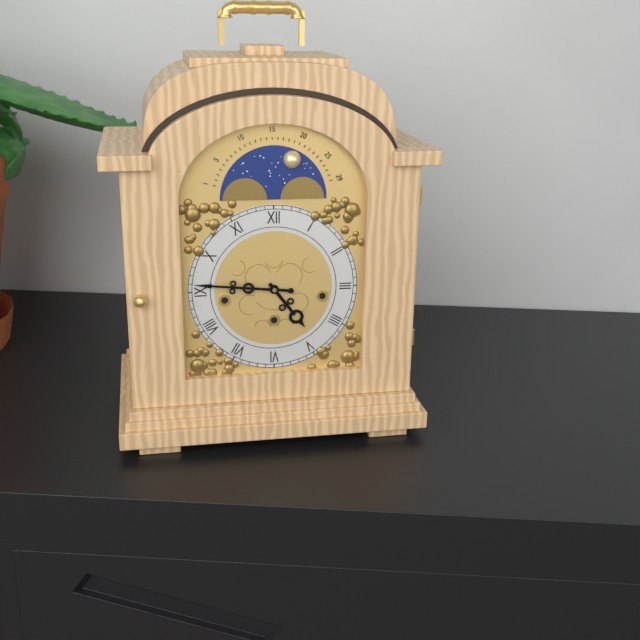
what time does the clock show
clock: 4:46
